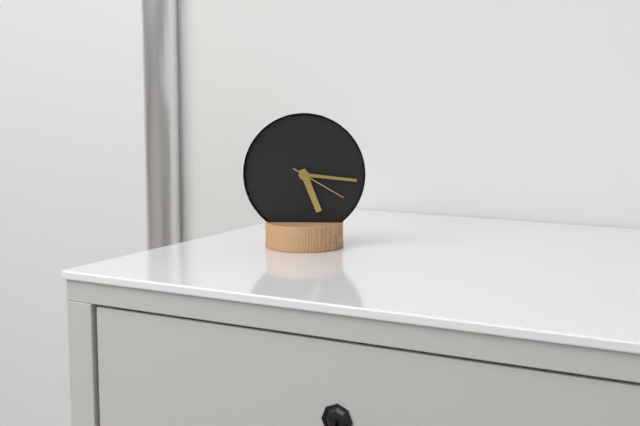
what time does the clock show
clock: 5:16:20
